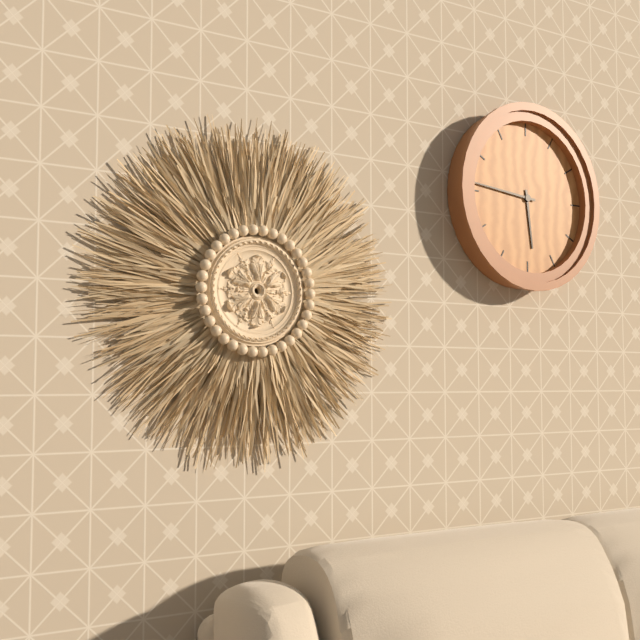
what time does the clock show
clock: 5:46
